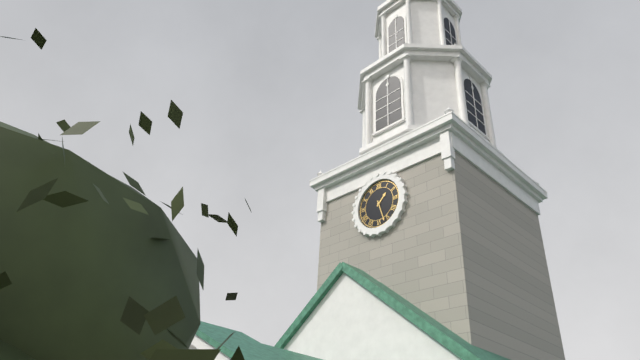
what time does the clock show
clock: 1:27
